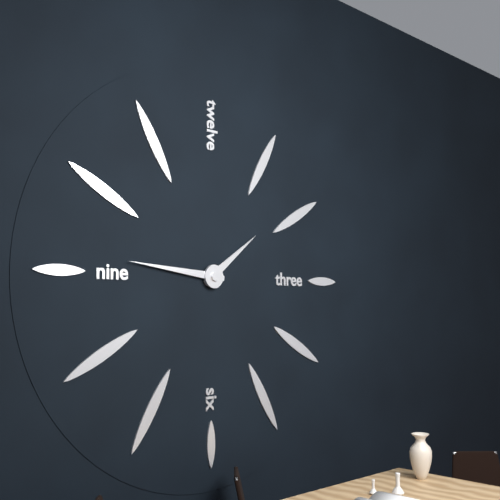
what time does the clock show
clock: 1:46
